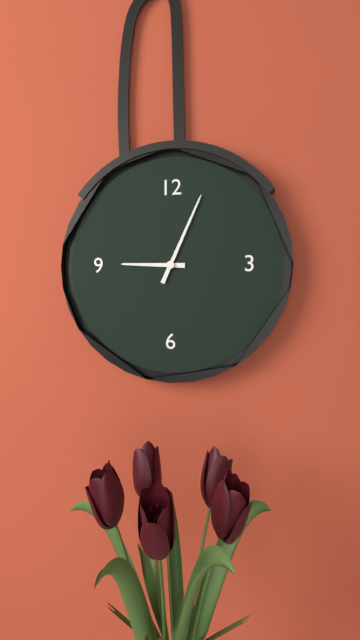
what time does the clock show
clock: 9:04
